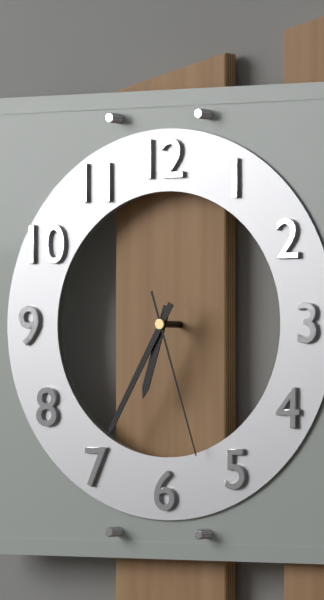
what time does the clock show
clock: 6:35:27
